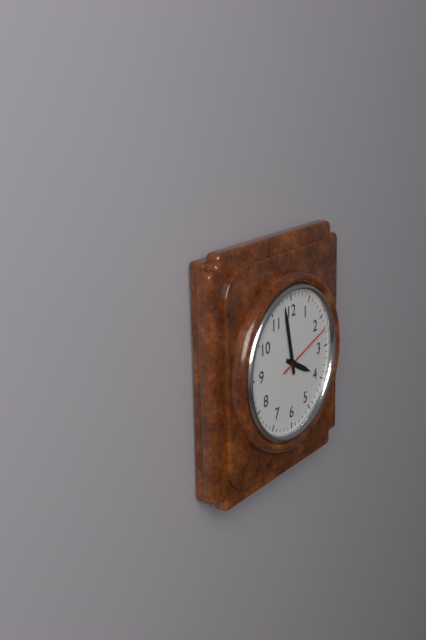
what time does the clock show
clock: 3:58:12
